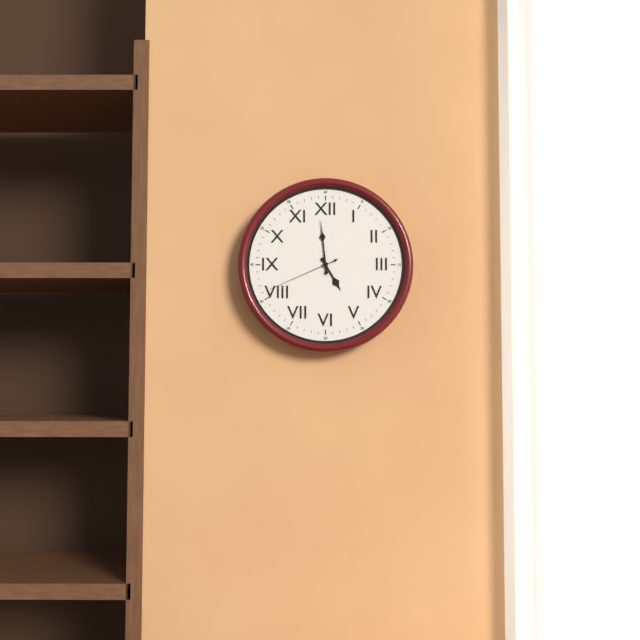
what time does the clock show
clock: 4:59:41
